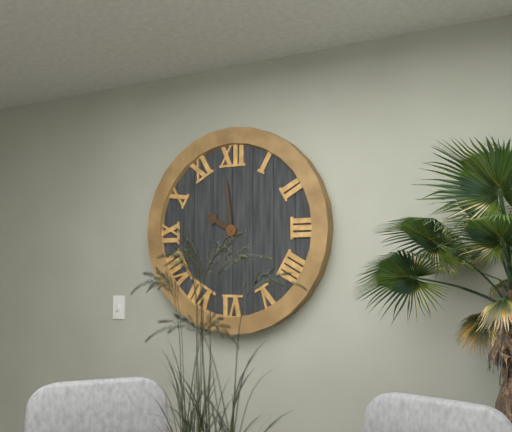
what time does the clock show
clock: 9:59
